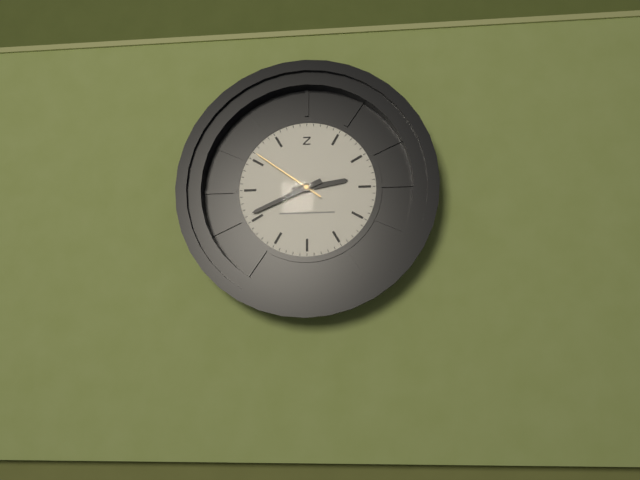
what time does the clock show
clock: 2:41:51
